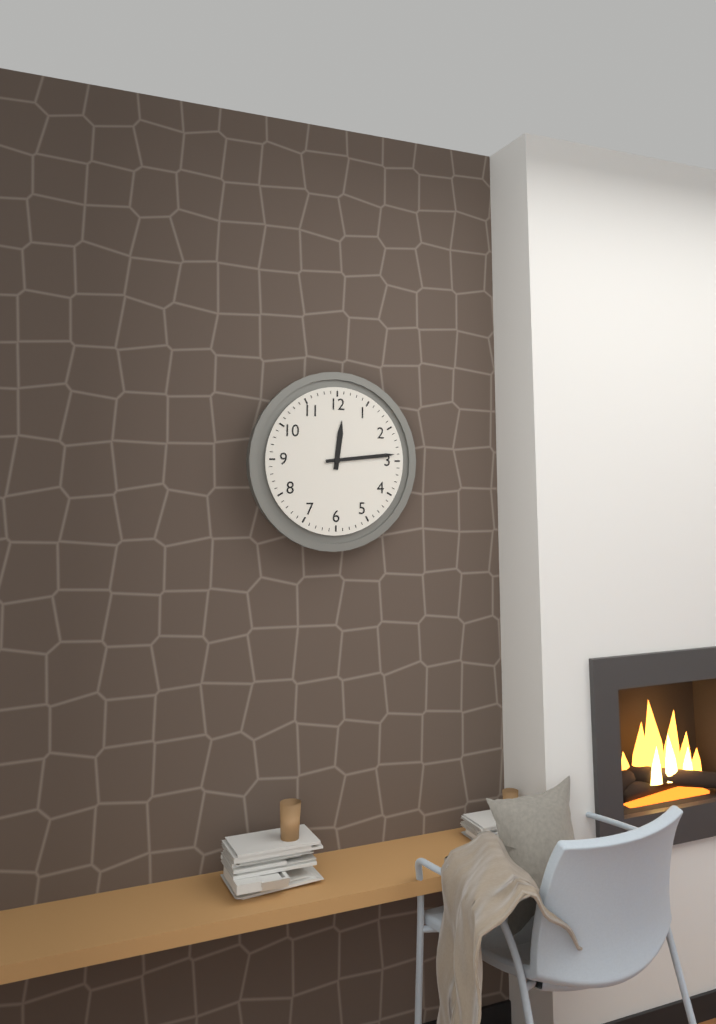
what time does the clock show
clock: 12:14
